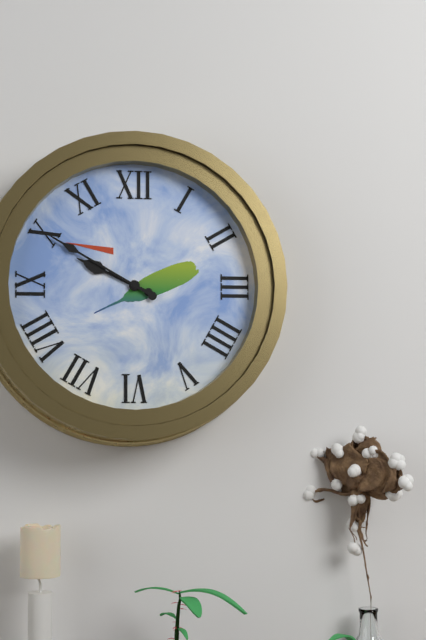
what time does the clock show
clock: 9:50
